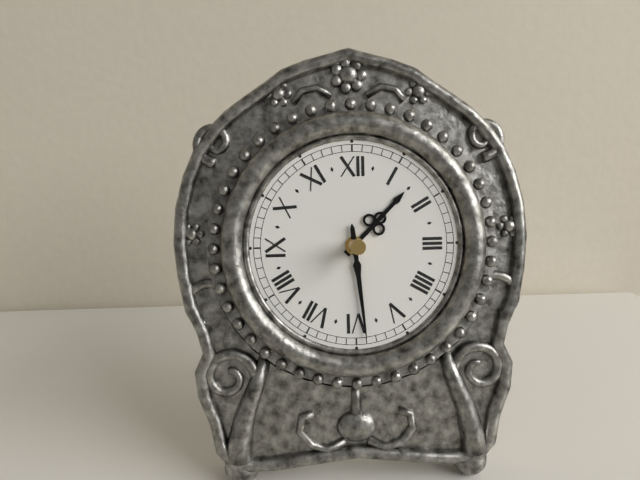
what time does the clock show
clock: 1:29
